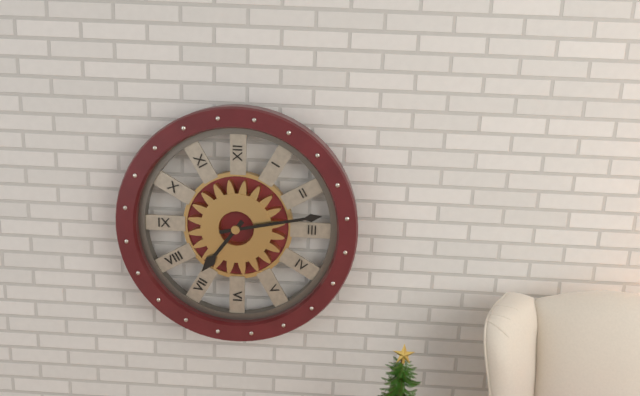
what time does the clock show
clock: 7:13
